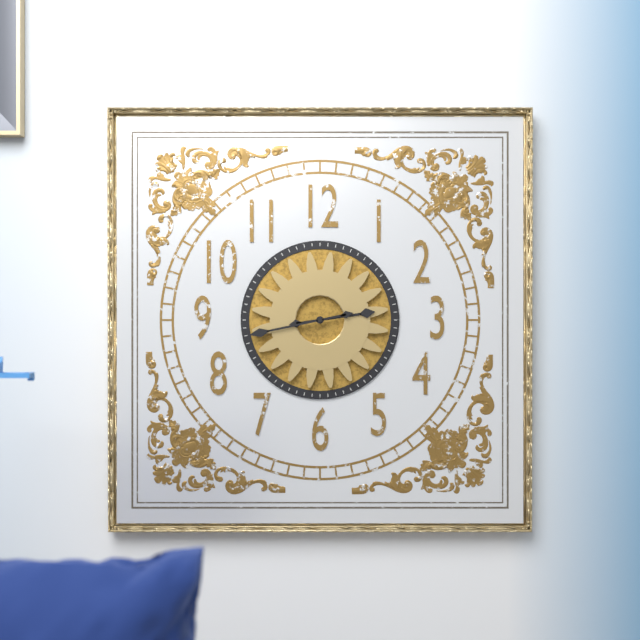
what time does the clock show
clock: 2:43
